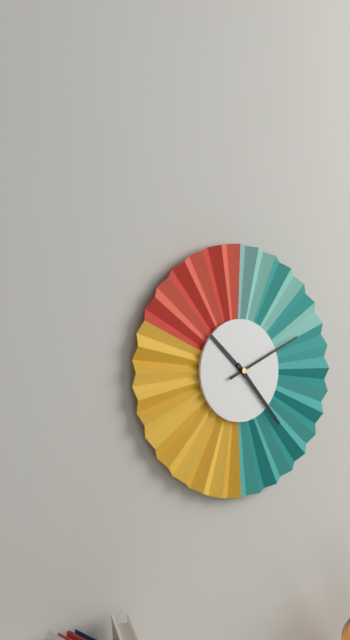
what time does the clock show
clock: 10:23:11
